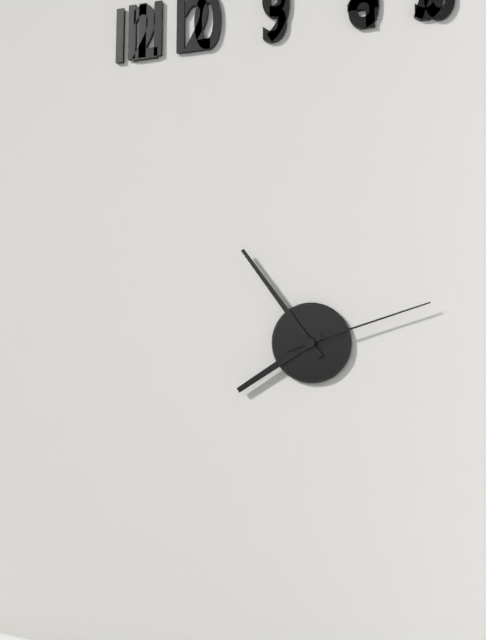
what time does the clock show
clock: 7:54:12
